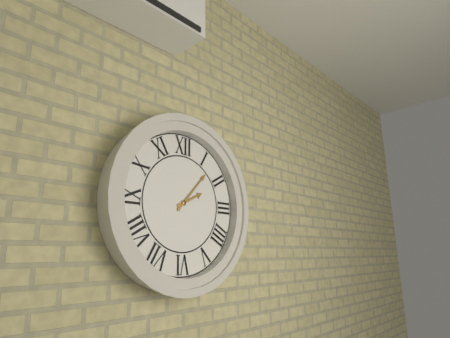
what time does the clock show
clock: 2:07
